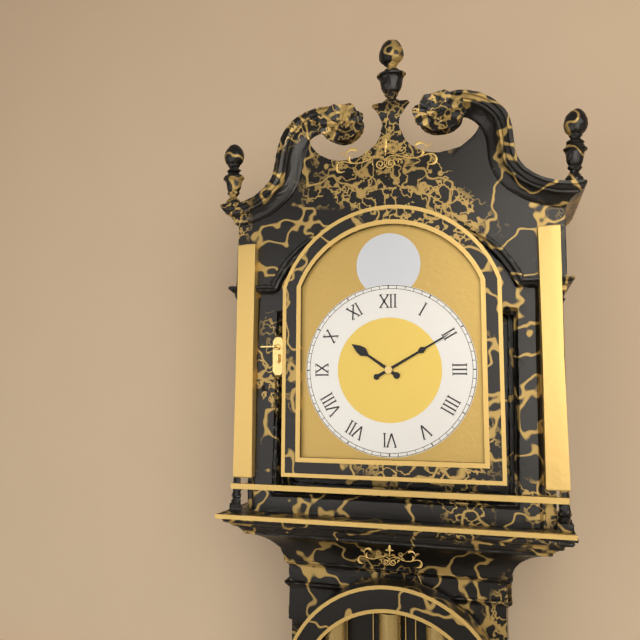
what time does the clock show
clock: 10:10
